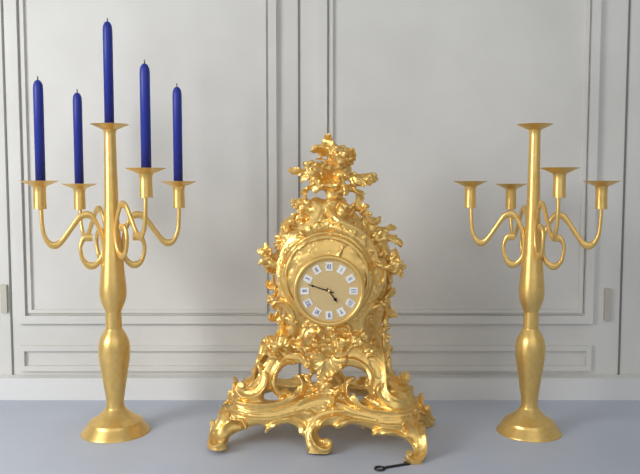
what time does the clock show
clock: 4:48
